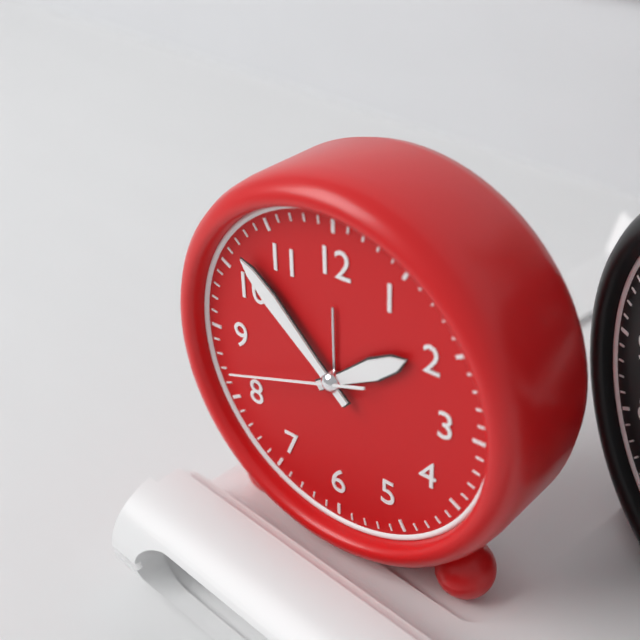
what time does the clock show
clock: 1:52:42
